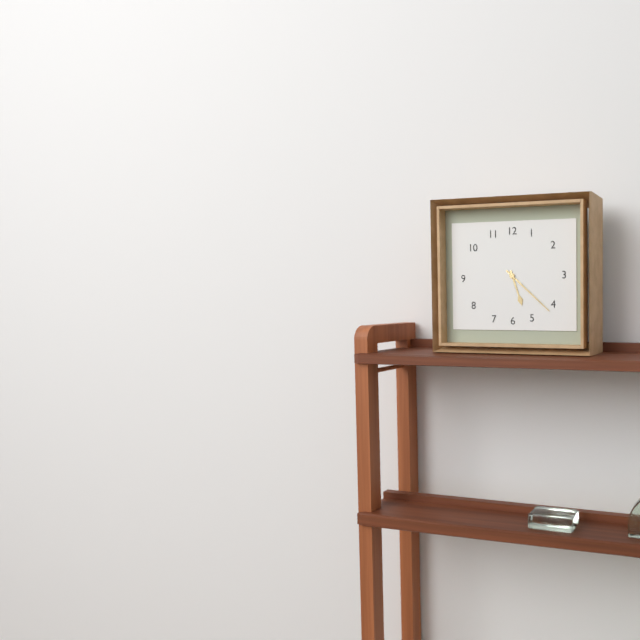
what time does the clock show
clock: 5:22
